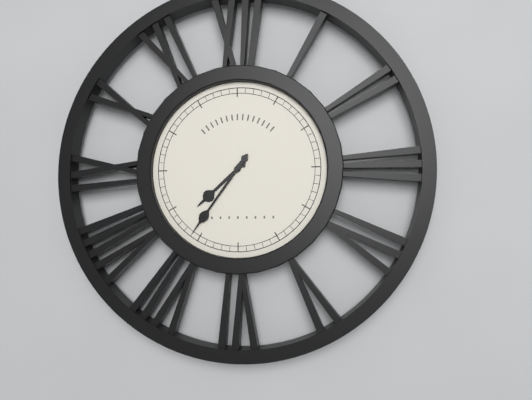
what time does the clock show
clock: 7:36
